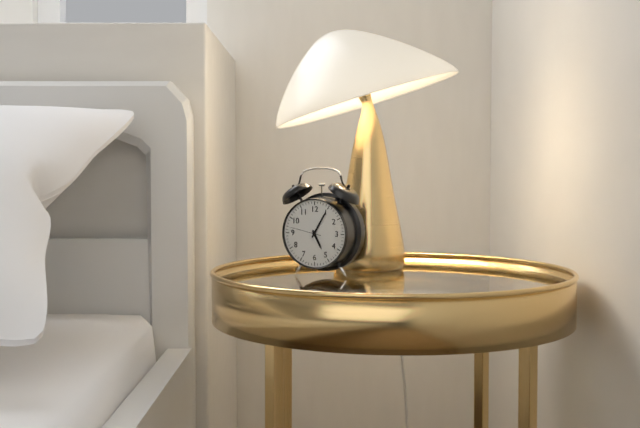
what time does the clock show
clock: 5:05
